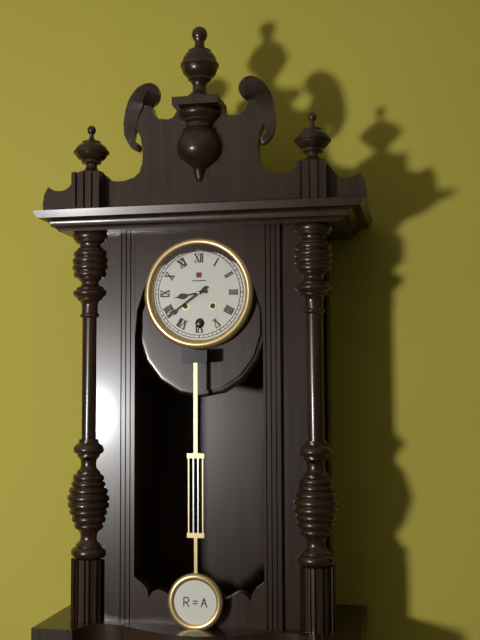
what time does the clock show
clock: 8:39
